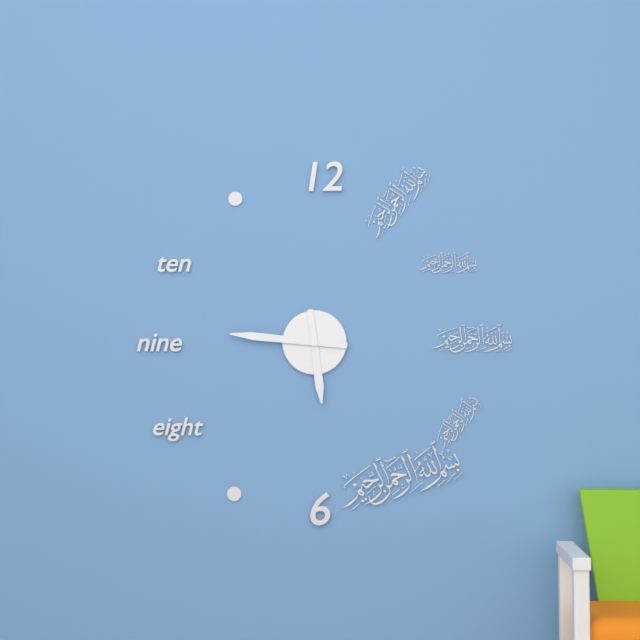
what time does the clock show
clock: 5:46
